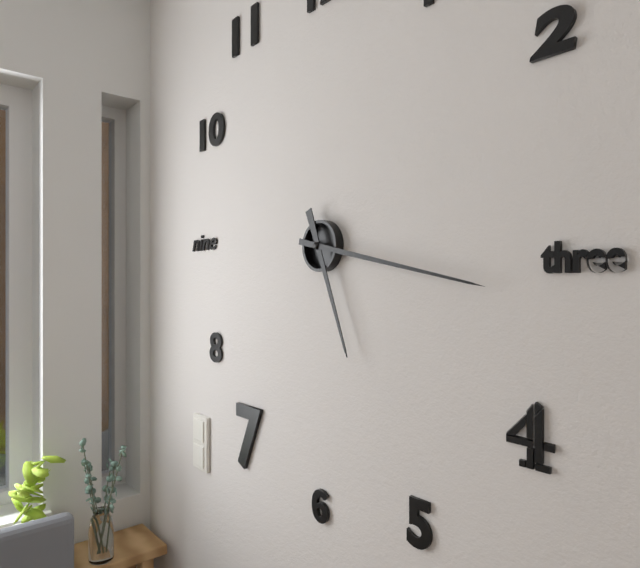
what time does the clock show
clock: 5:17
